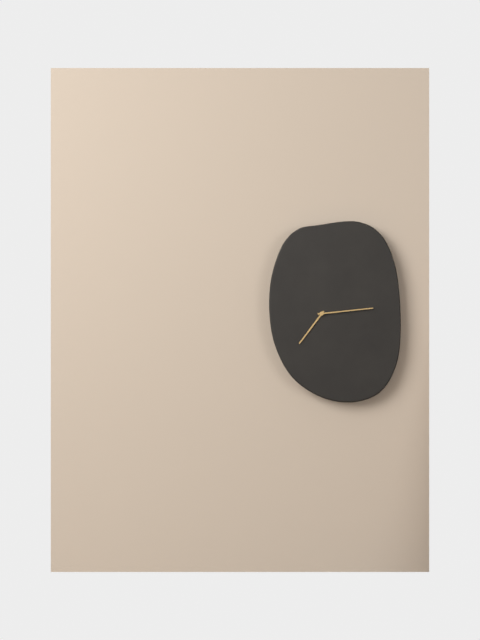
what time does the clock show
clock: 7:14
